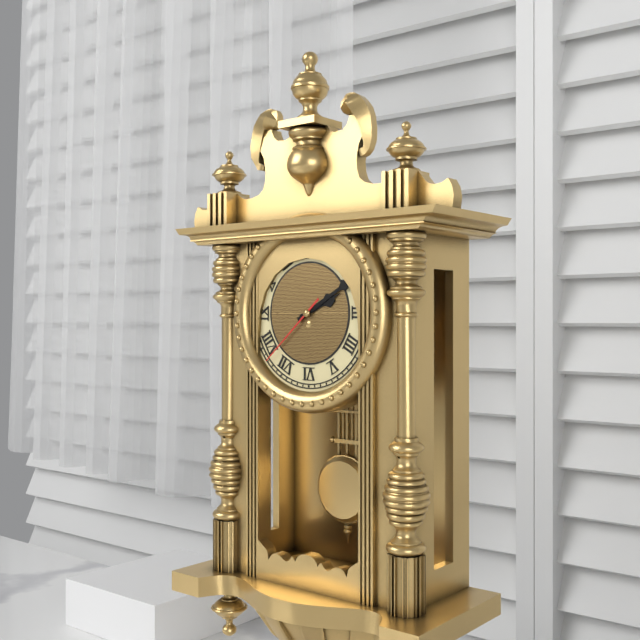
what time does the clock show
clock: 2:10:38
